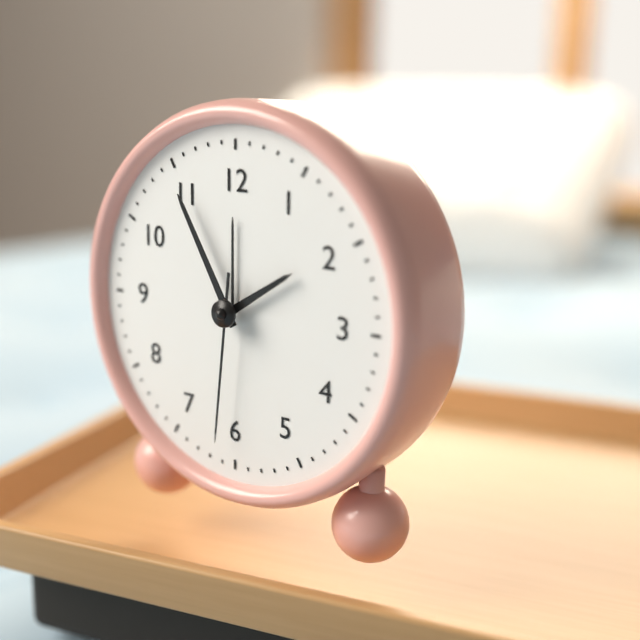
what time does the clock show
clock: 1:55:31
